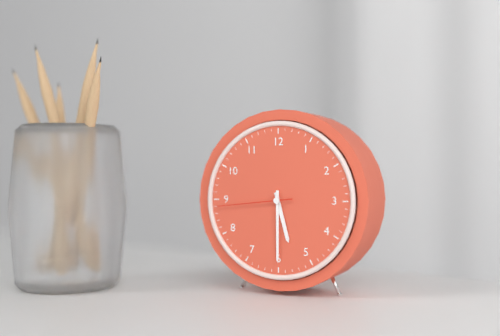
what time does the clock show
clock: 5:30:44
